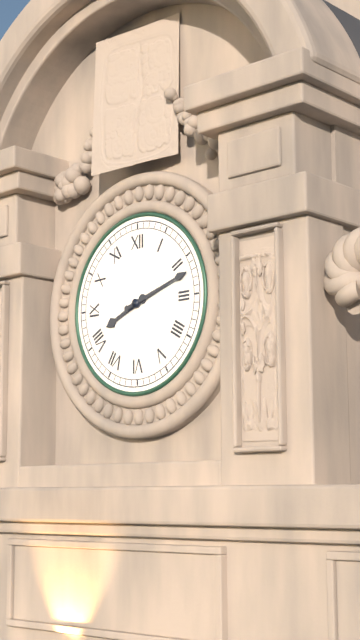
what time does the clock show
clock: 8:12
